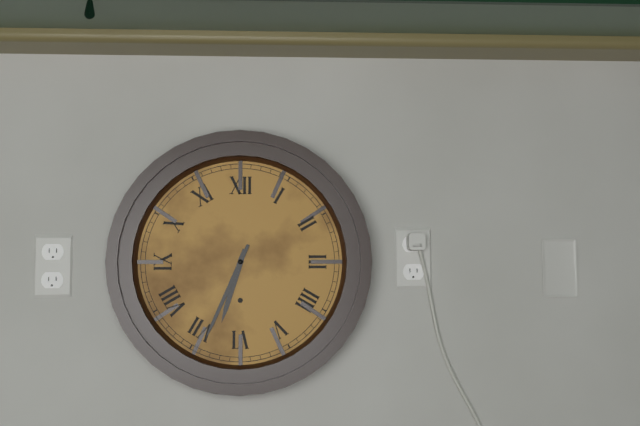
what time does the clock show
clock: 6:34
